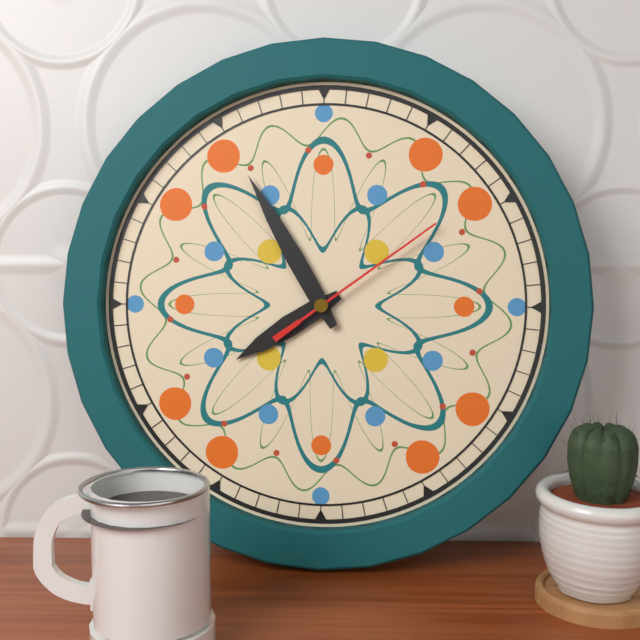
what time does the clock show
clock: 7:55:09
